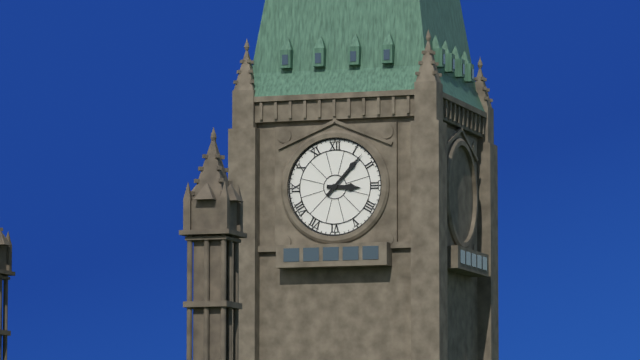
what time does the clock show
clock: 3:07
